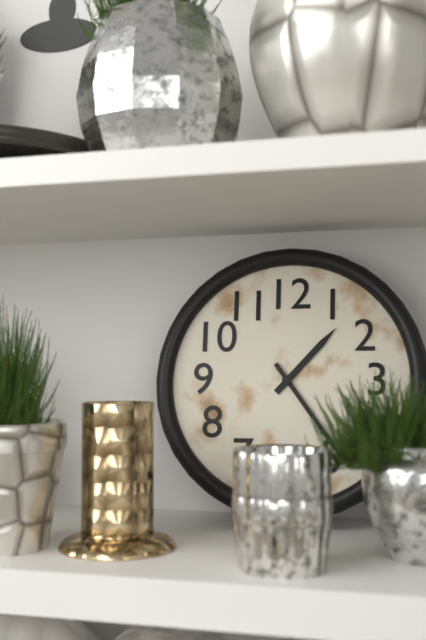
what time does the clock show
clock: 1:24
